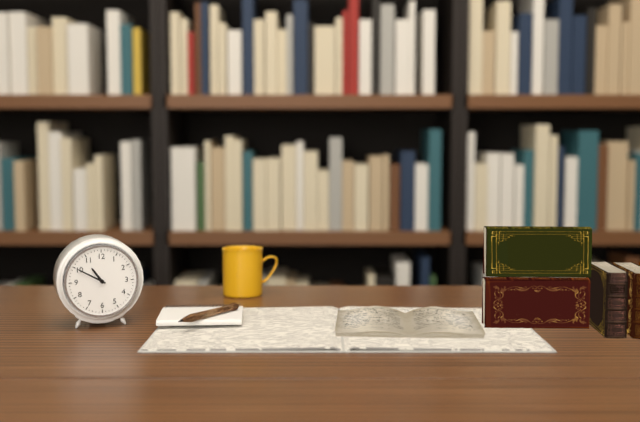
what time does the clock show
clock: 10:50
